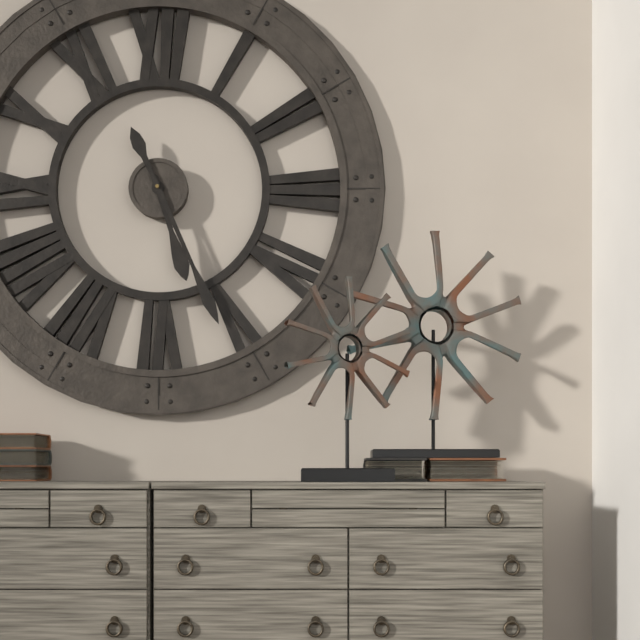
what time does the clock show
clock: 5:26
